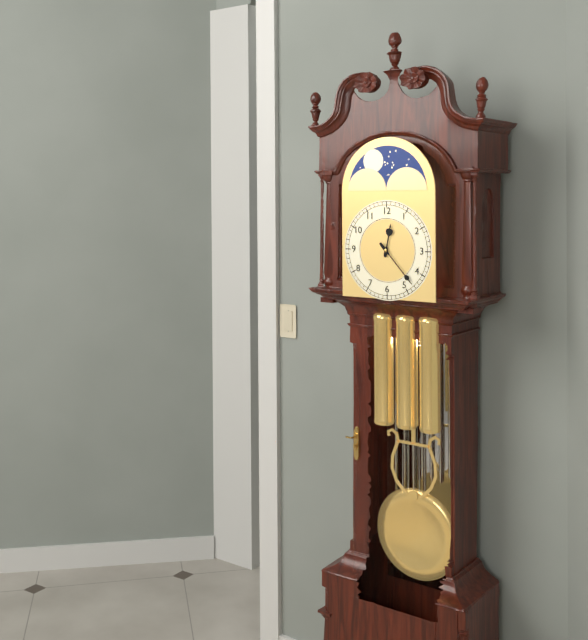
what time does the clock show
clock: 12:23
